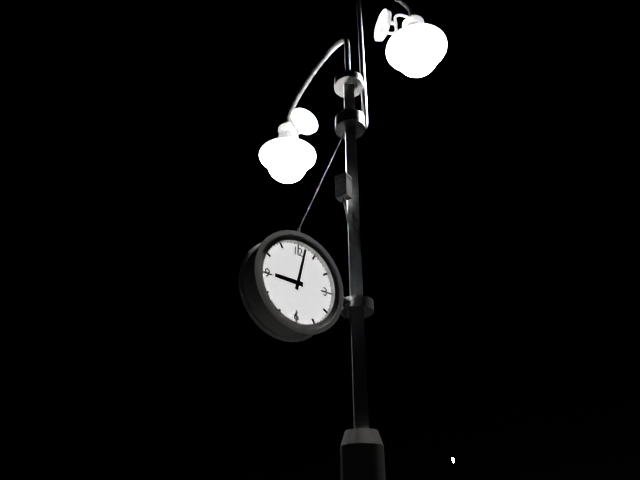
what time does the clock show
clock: 9:02
